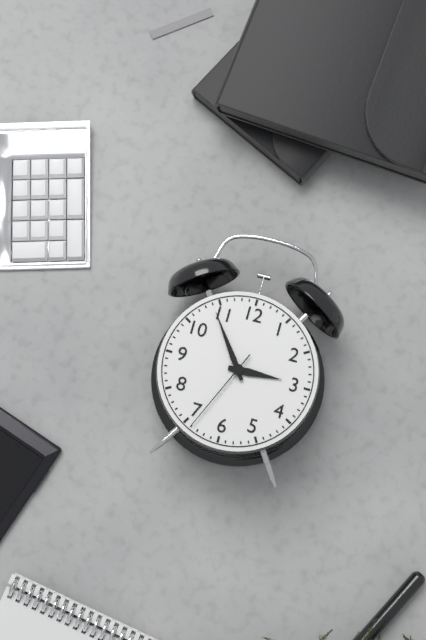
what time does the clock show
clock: 2:54:34
